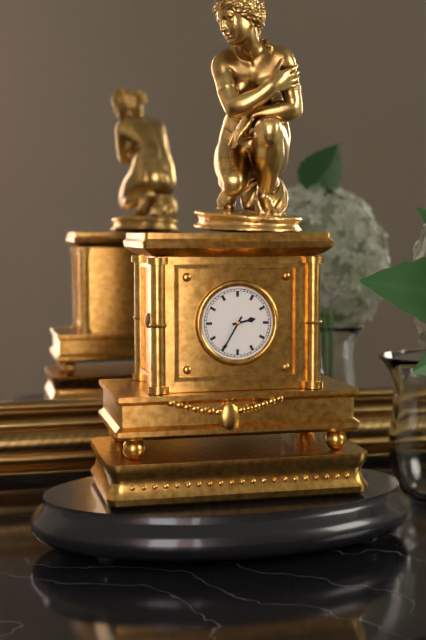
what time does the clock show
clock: 2:35
